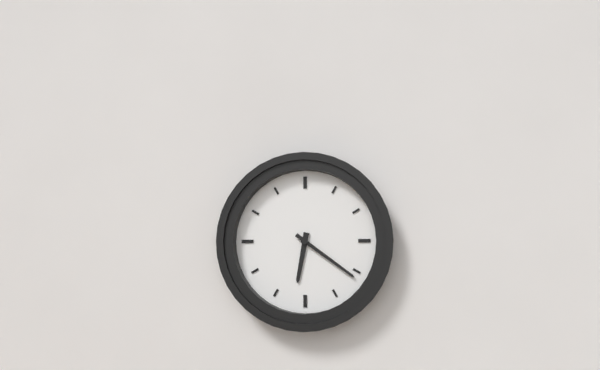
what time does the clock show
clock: 6:21
